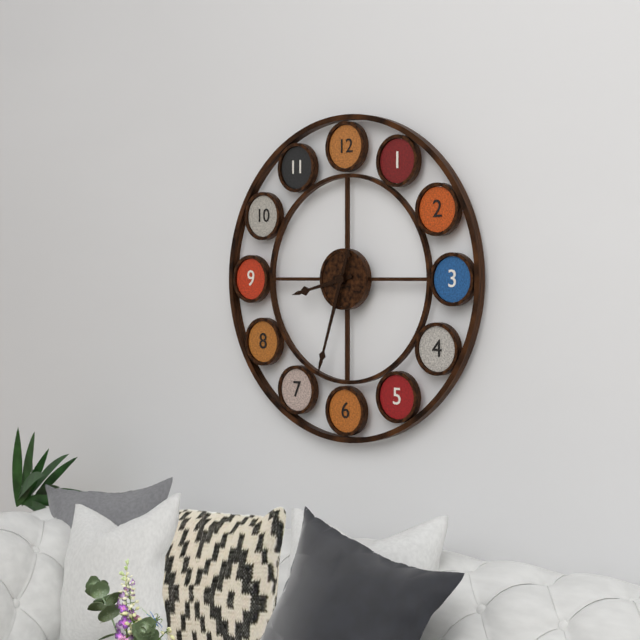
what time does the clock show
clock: 8:33
